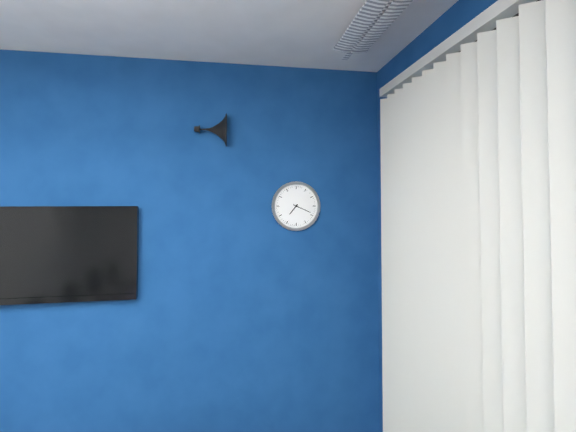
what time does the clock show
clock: 7:19
